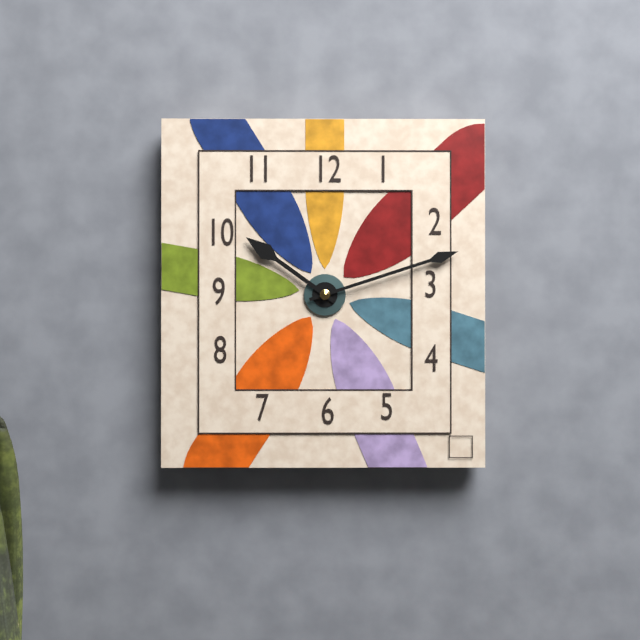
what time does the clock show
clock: 10:12
